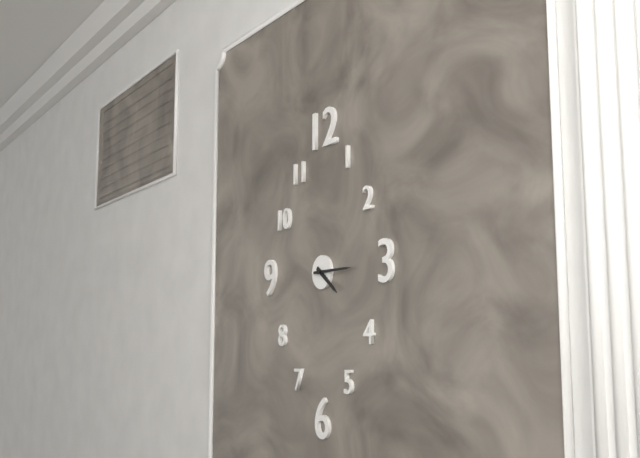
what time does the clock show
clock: 4:15
